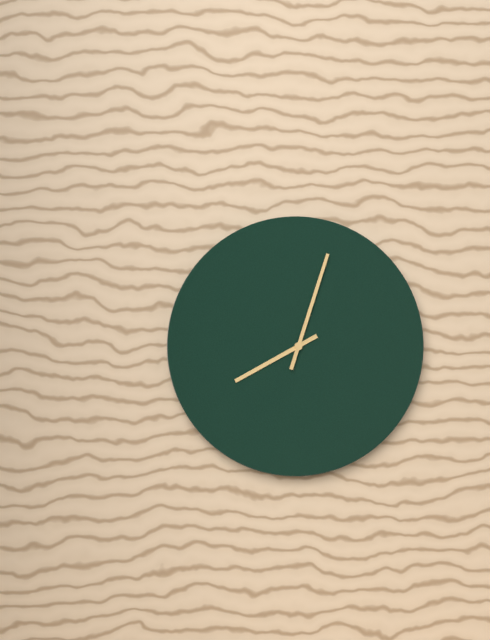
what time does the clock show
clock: 8:03
